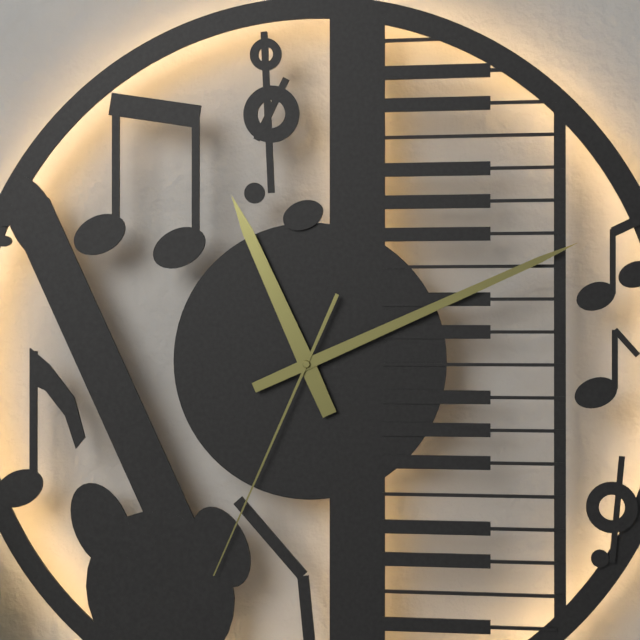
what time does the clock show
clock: 11:11:34
